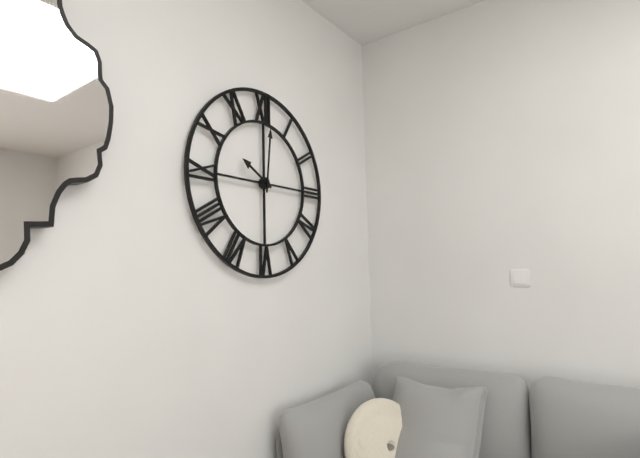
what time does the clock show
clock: 10:01
